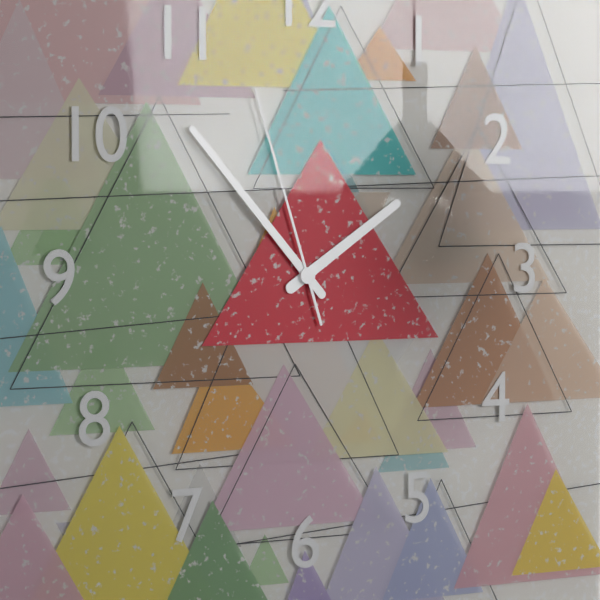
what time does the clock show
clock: 1:53:57
